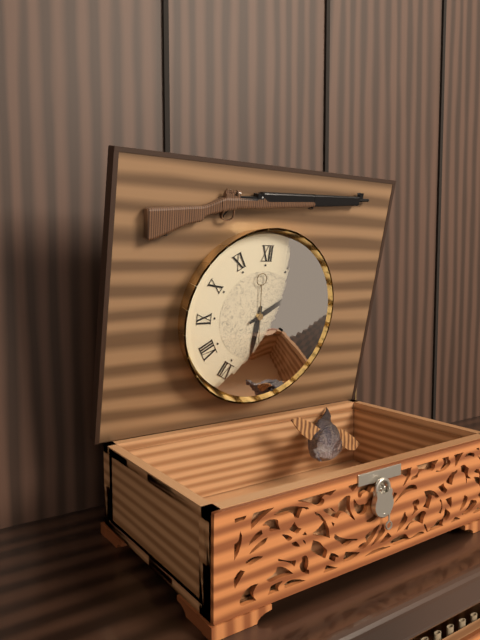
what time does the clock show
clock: 6:10:29
